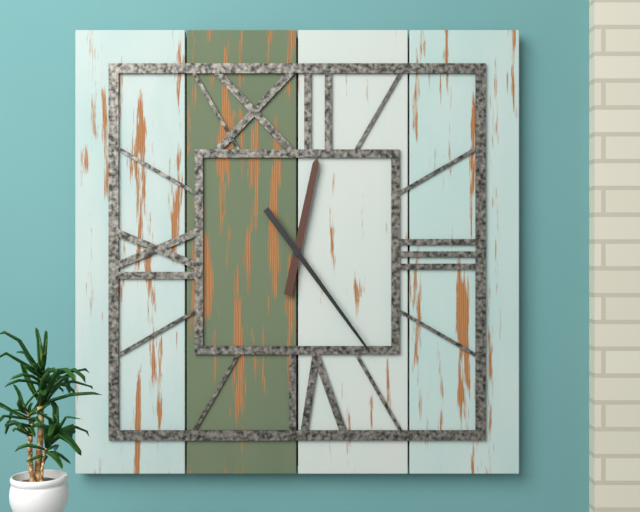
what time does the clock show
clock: 12:24
